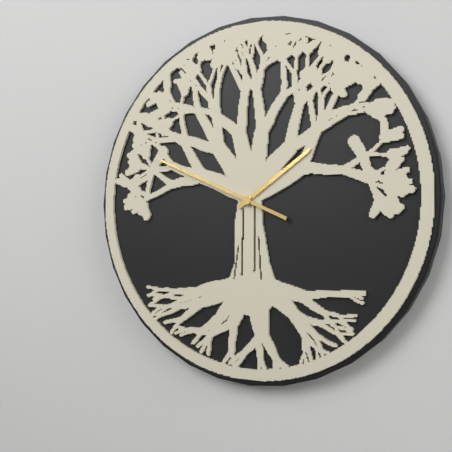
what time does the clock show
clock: 1:49
